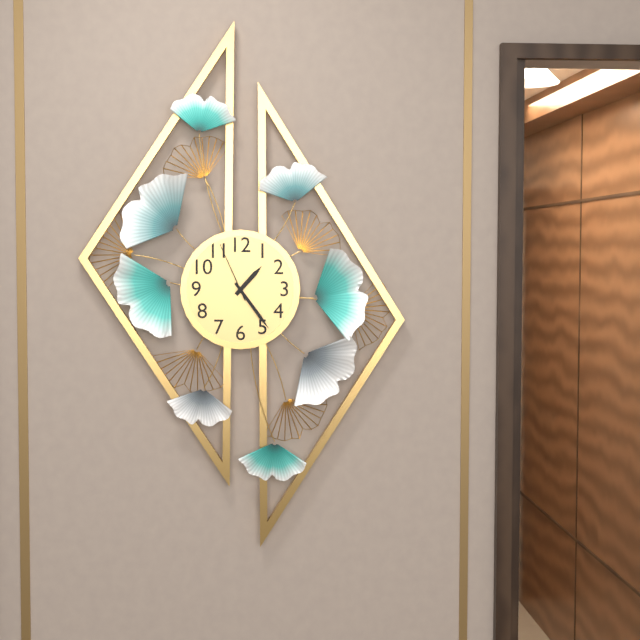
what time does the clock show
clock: 1:24:56
